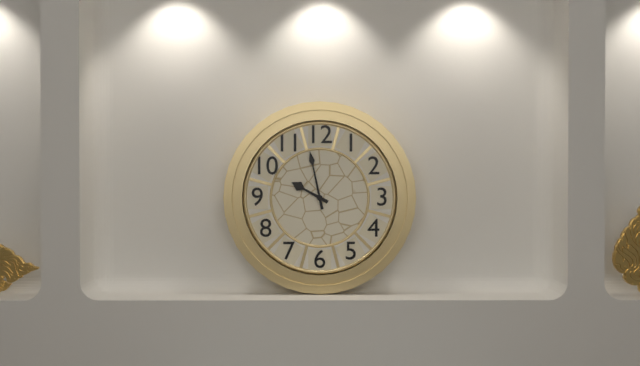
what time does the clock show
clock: 9:58
